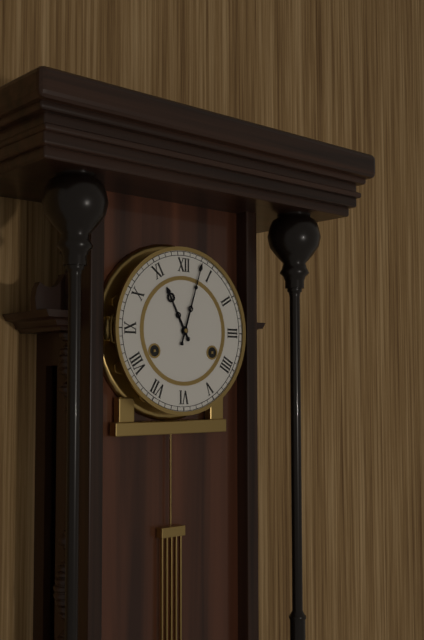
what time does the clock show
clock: 11:03
